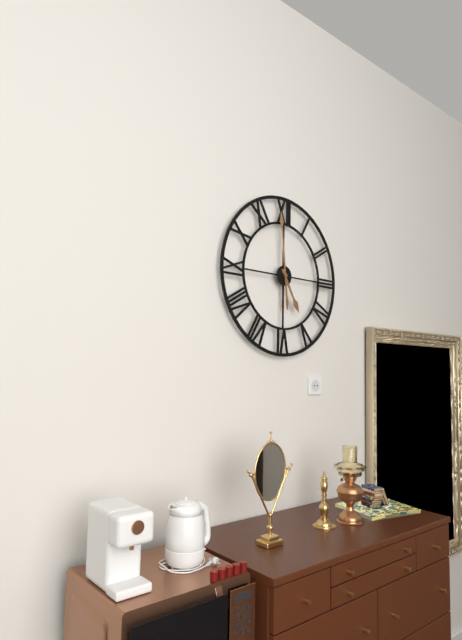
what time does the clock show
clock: 4:59
